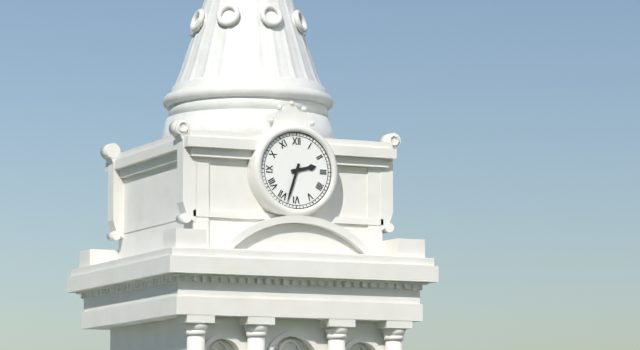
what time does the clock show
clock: 2:33
